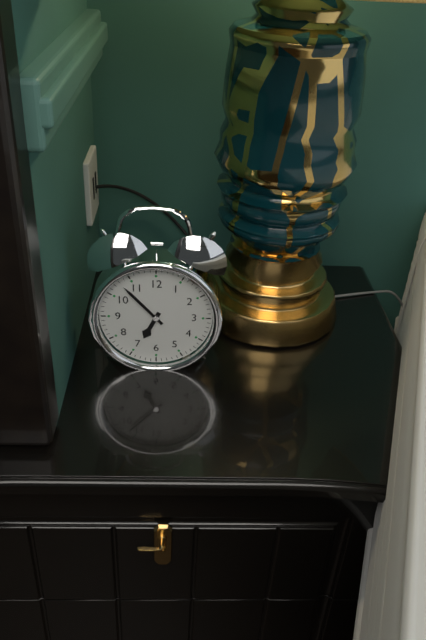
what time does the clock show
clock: 6:53
